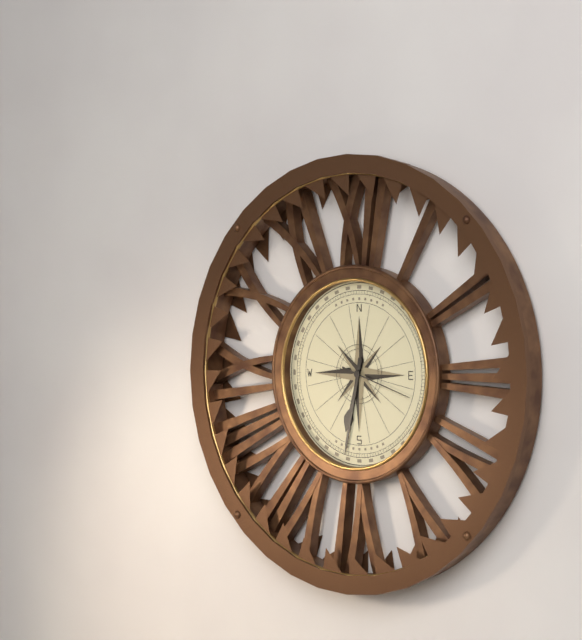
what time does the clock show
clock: 6:32:18
